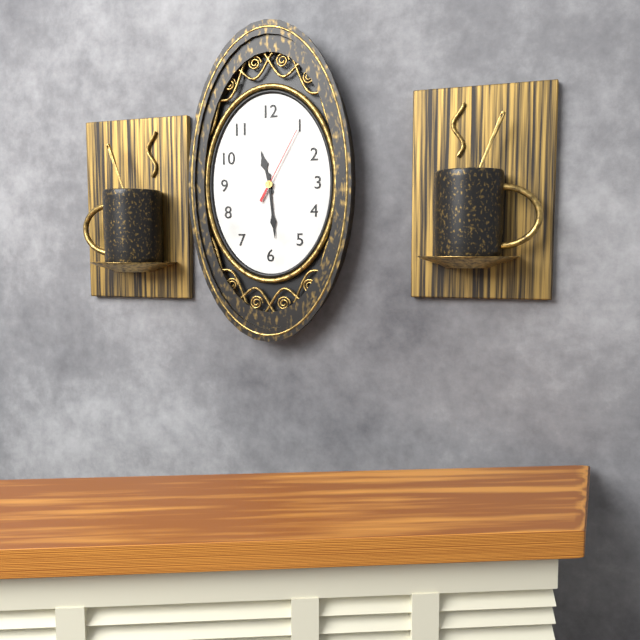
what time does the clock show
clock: 11:29:05
